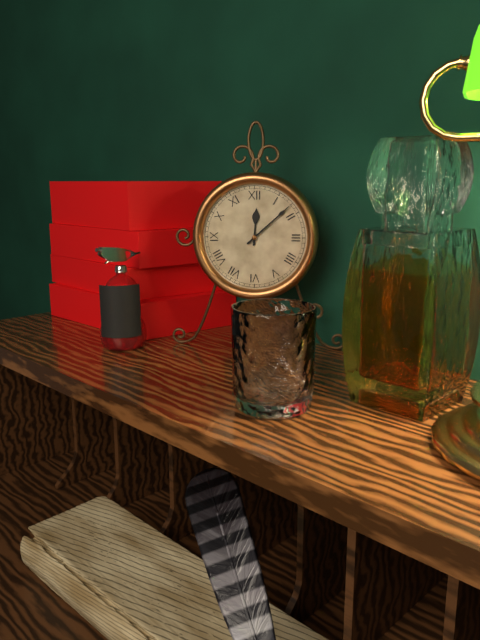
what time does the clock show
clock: 12:08
